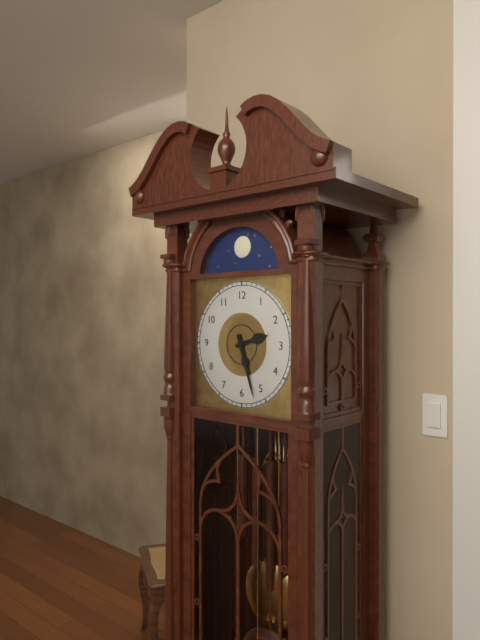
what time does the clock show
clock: 2:27
